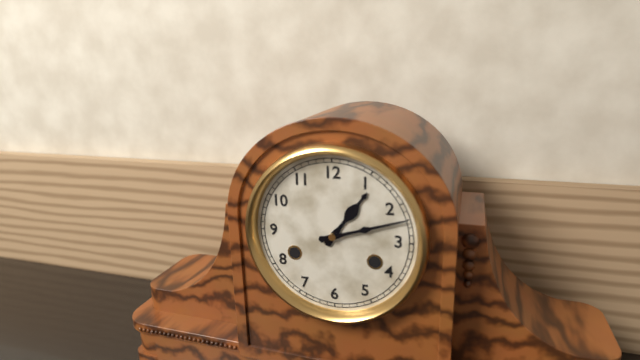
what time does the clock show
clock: 1:12
